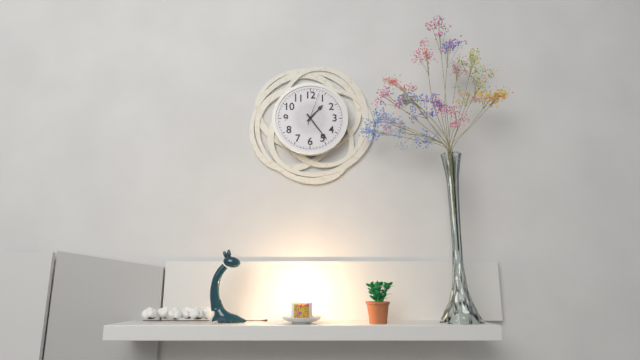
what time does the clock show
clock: 1:24
